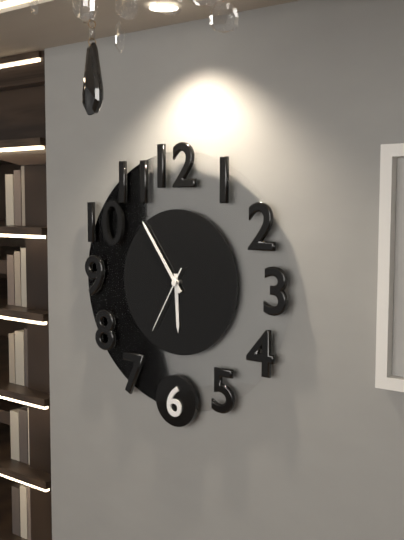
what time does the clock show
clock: 5:54:35
